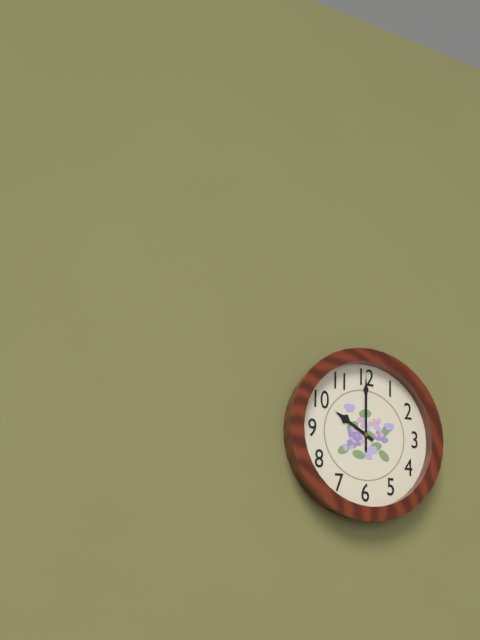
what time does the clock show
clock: 10:00
